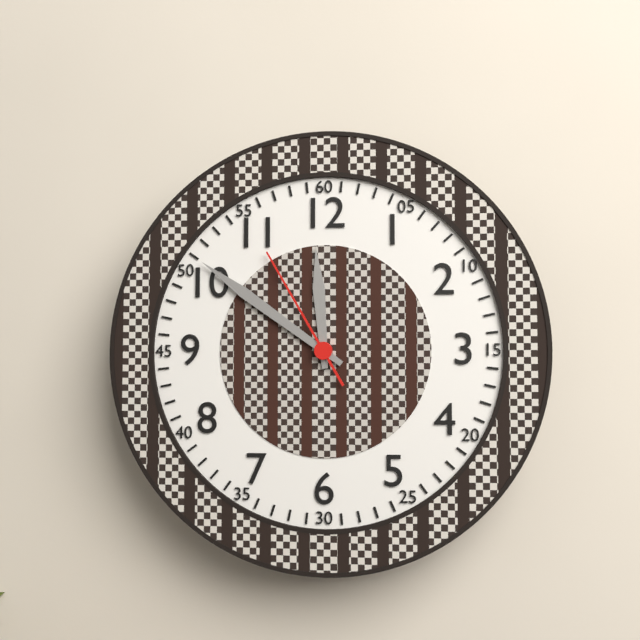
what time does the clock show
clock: 11:51:55
